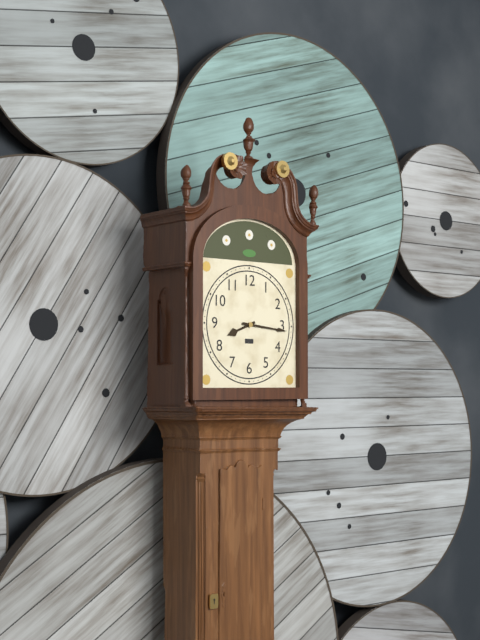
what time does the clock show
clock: 8:16
